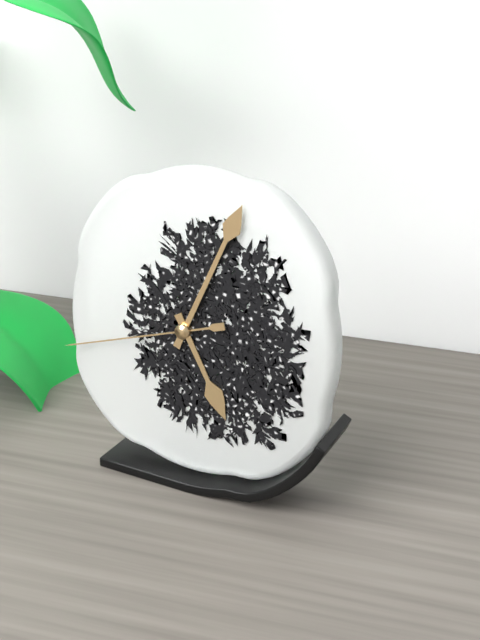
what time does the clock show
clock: 5:04:42
